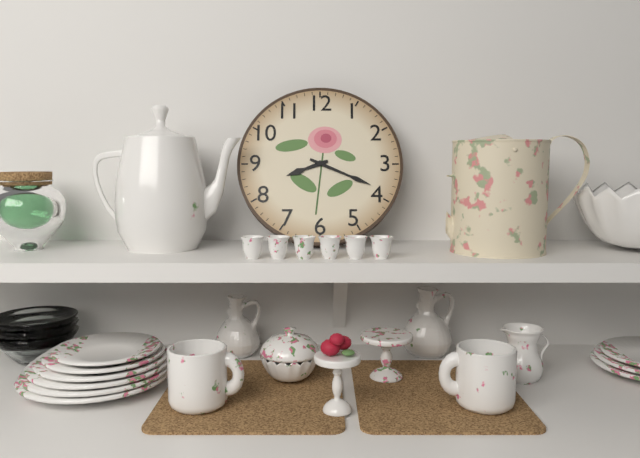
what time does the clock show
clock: 8:19
